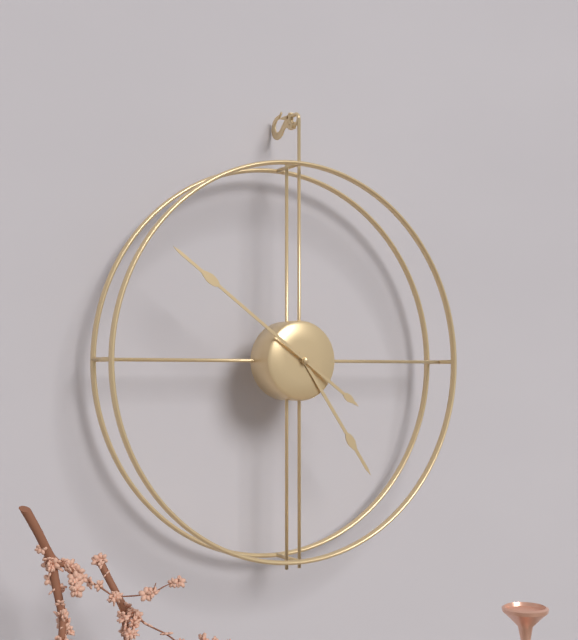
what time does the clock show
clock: 4:51
